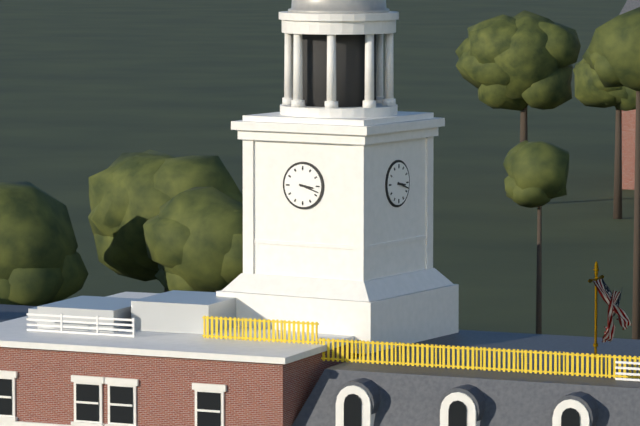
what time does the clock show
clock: 3:18
